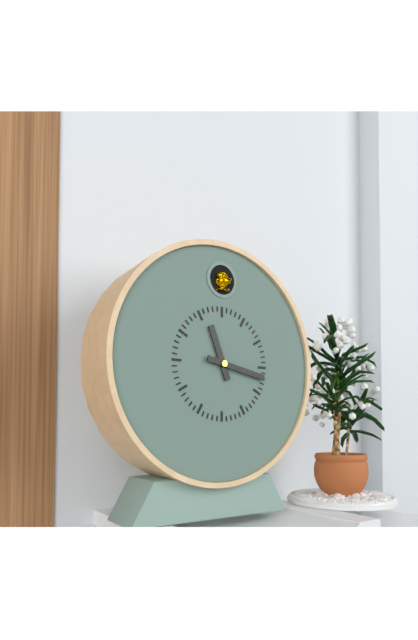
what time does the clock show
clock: 11:17
